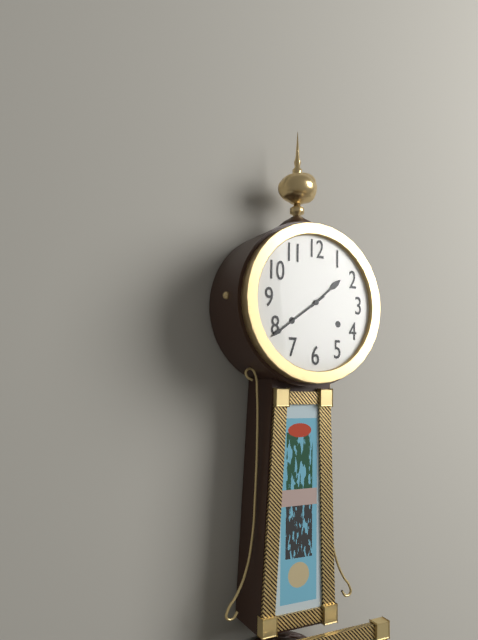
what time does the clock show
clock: 1:39
